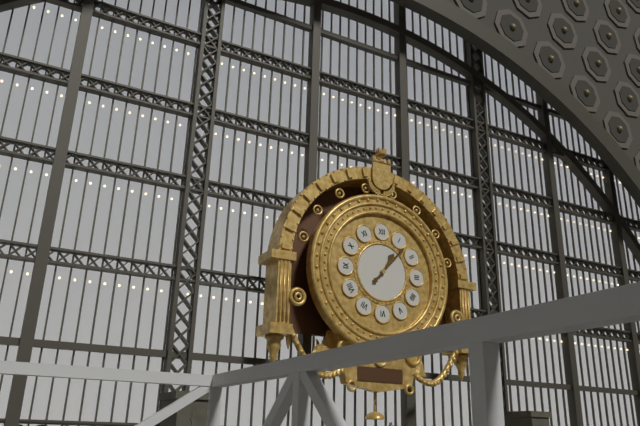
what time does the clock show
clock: 1:07
